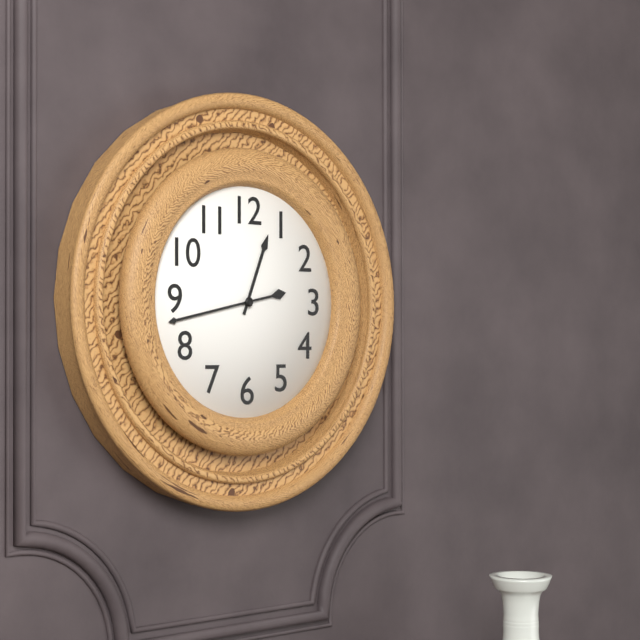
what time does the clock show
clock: 12:43
